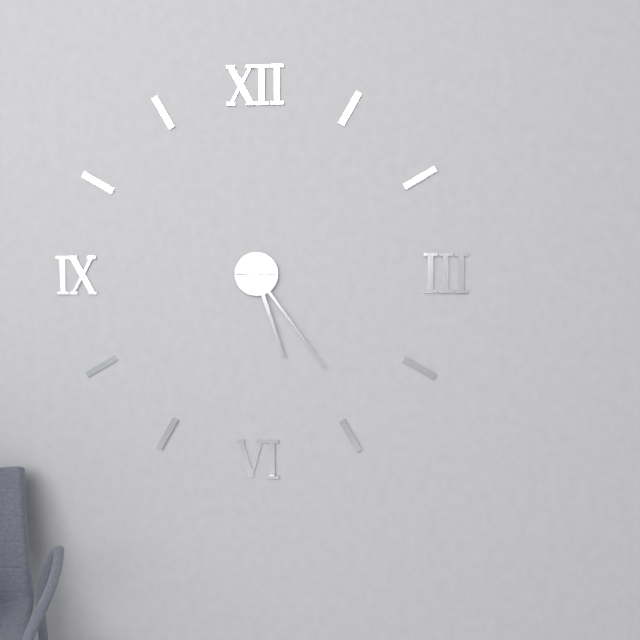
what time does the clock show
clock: 5:24
